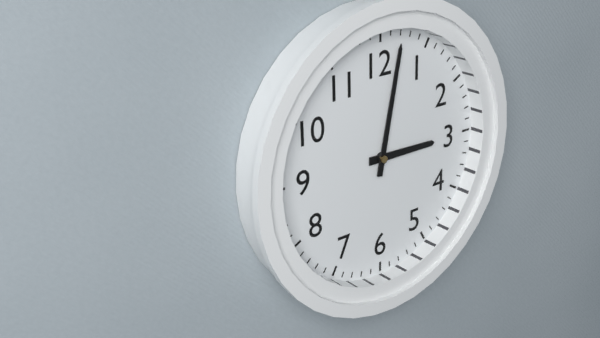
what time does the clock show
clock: 3:02
